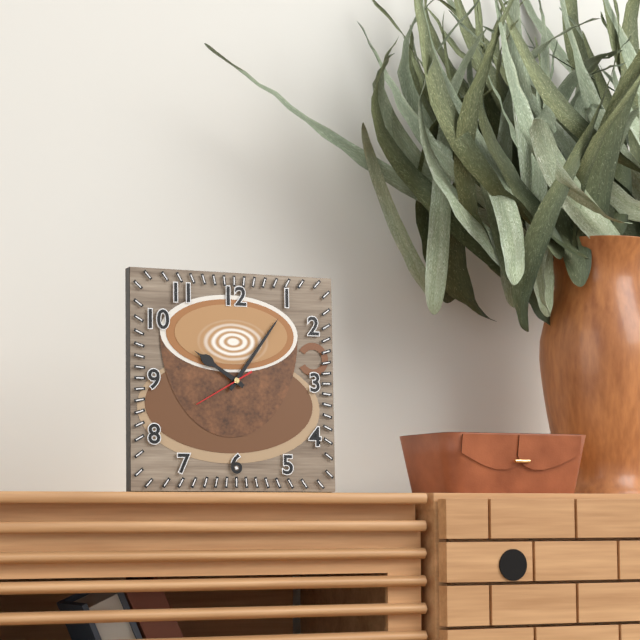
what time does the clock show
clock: 10:06:40
